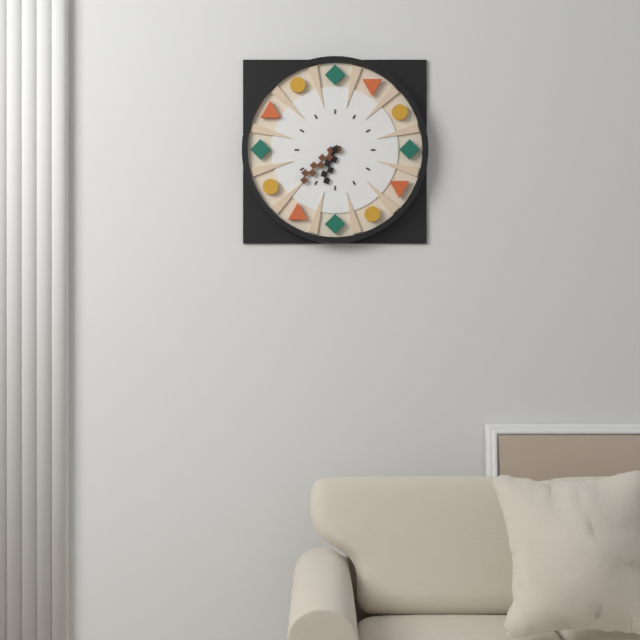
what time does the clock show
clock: 6:38
